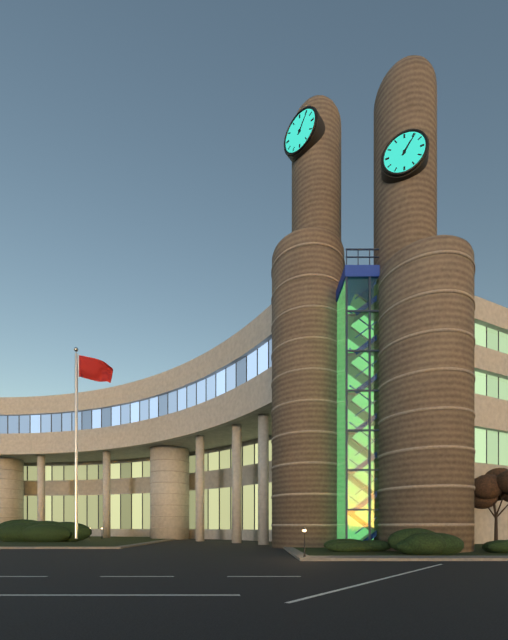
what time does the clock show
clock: 1:06
